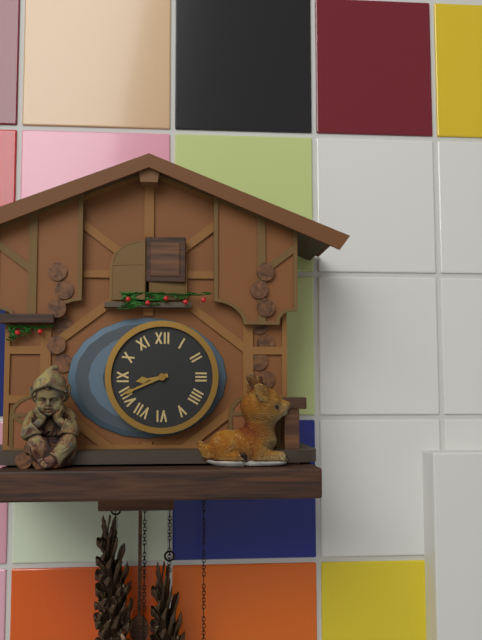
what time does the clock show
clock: 8:41
